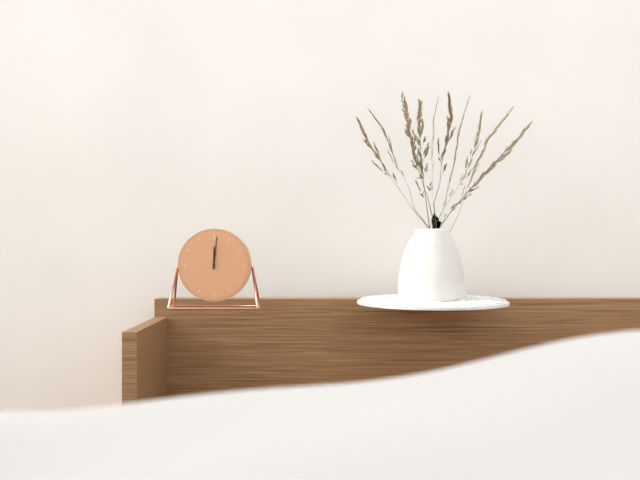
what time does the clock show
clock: 12:01
